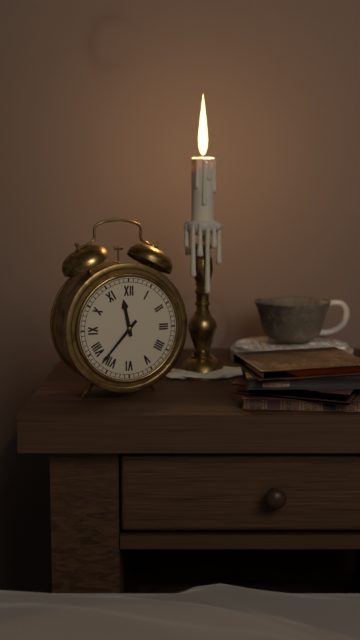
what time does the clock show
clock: 11:37
